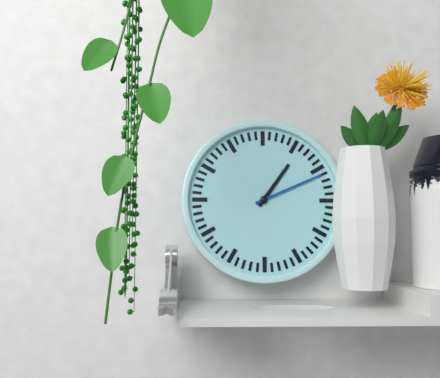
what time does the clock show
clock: 1:11
